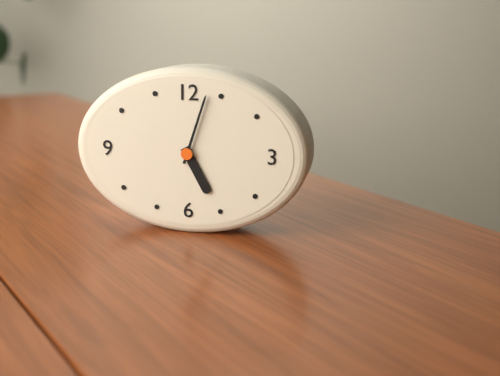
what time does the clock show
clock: 5:03
